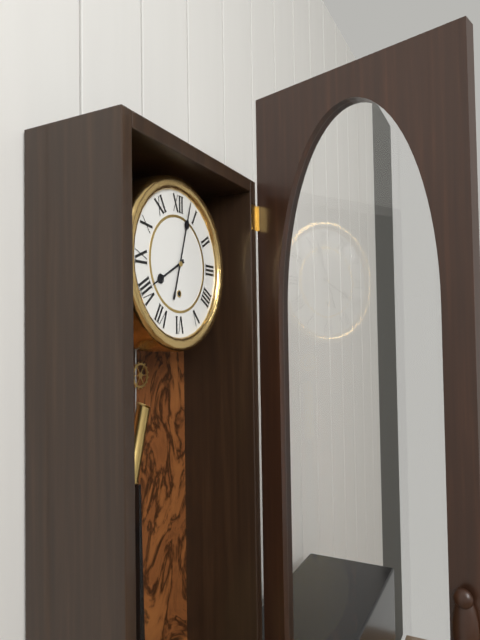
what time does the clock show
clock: 8:03
